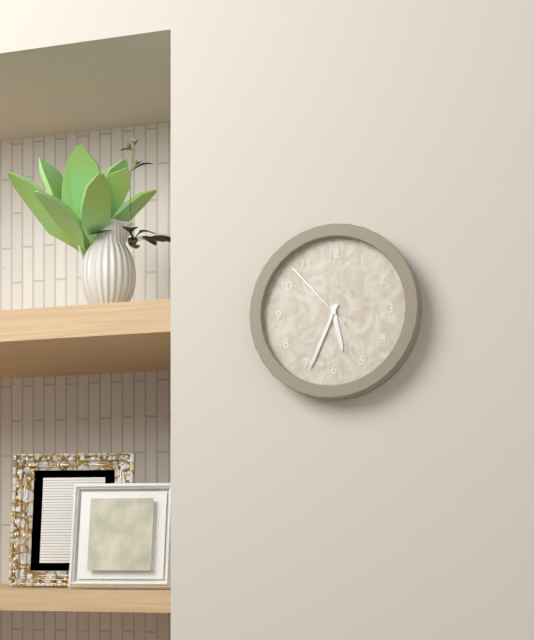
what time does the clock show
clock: 5:34:53
